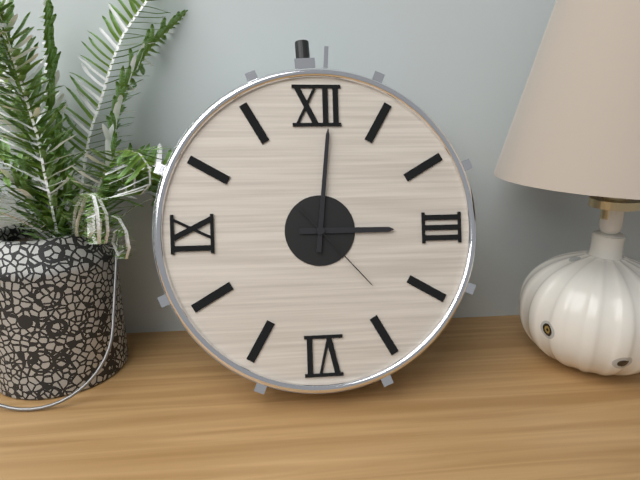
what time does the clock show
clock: 3:01:23
